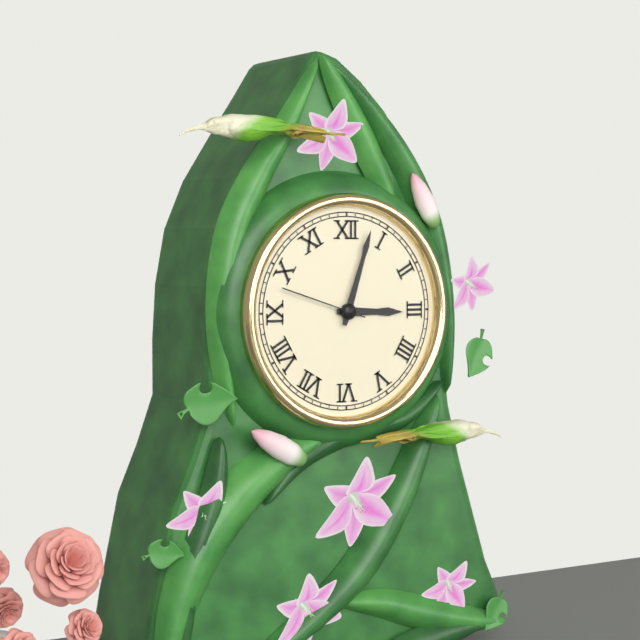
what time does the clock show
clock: 3:03
